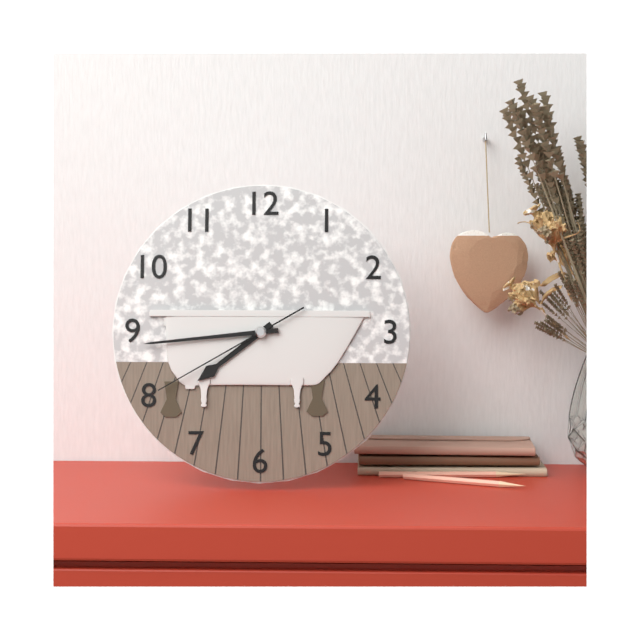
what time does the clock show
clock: 7:44:40
